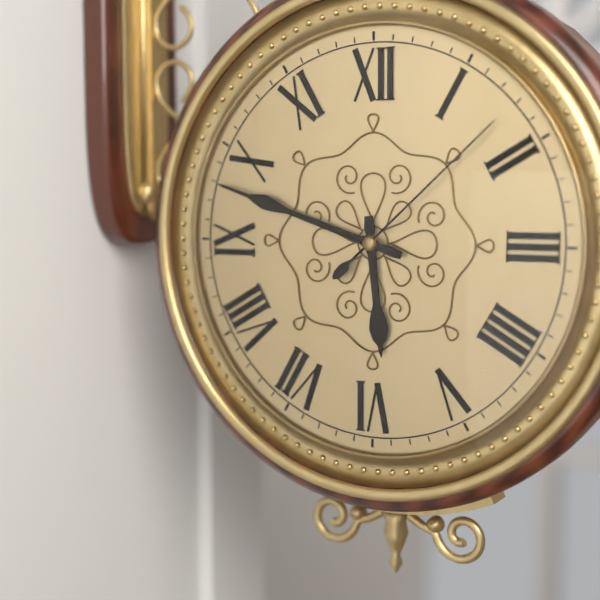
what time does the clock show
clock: 5:48:08
